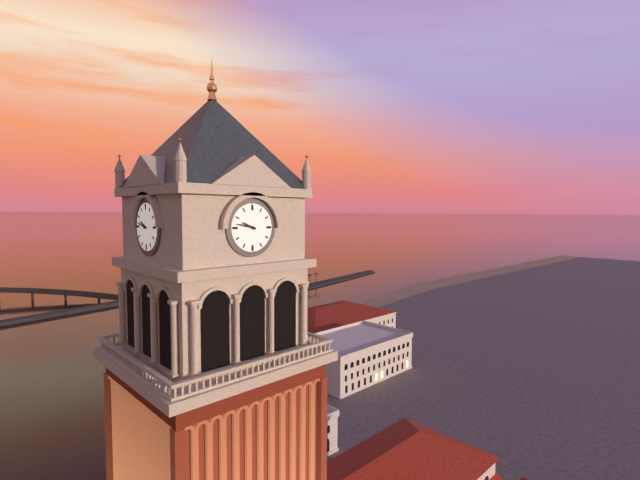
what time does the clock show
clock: 9:47
